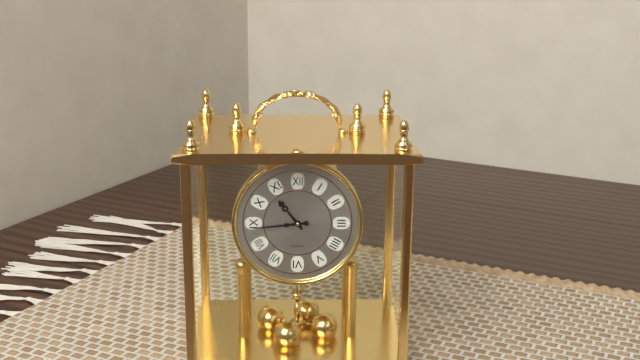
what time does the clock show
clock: 10:44
